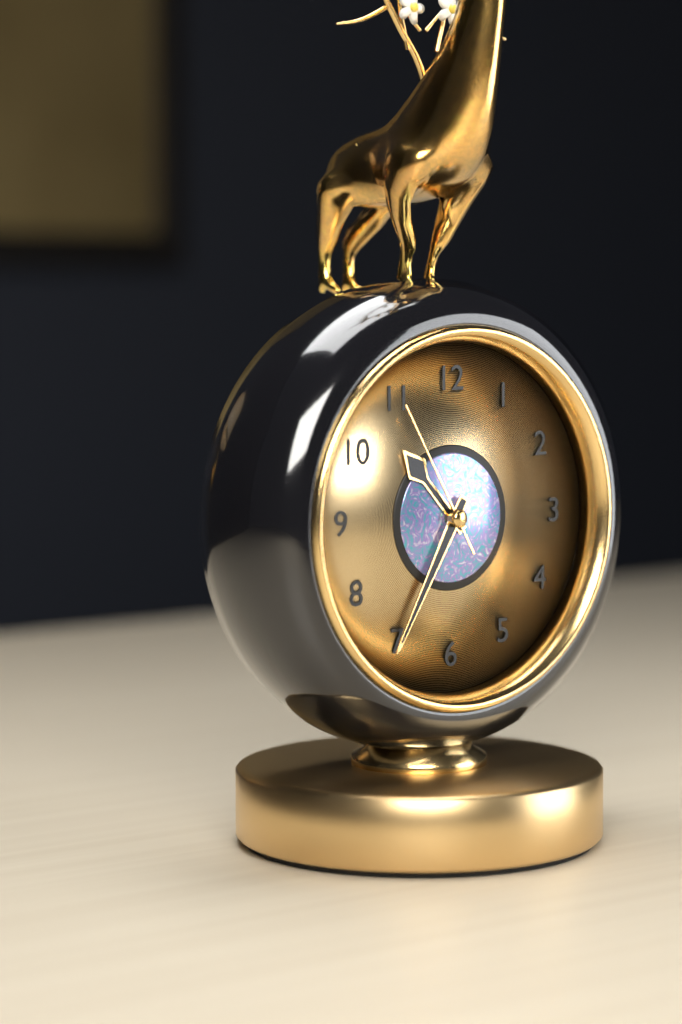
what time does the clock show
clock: 10:35:55
